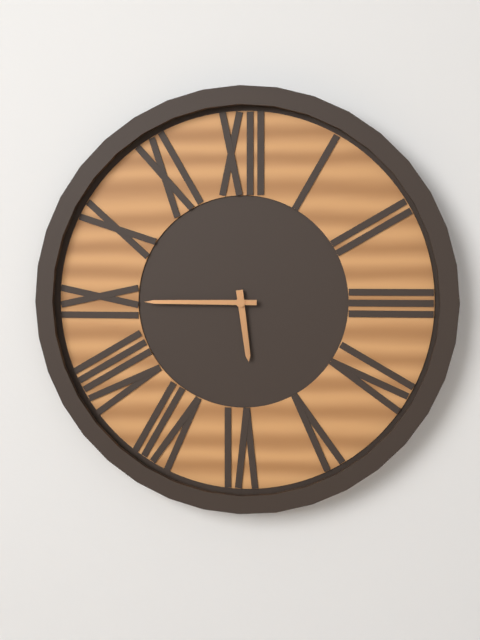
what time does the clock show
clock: 5:45
